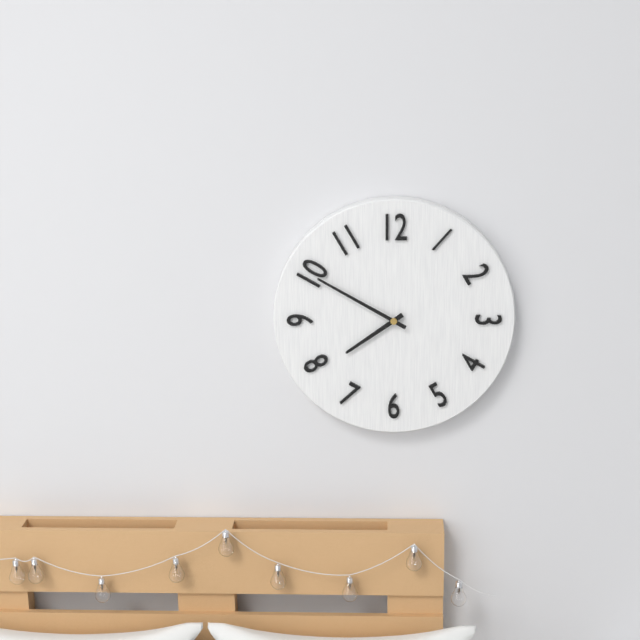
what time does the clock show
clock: 7:50
